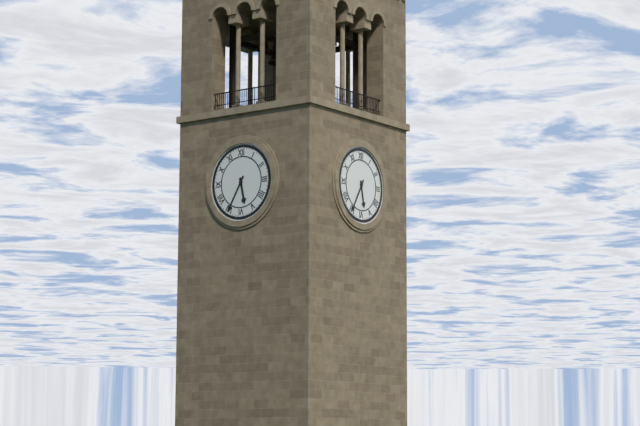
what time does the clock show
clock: 5:35
